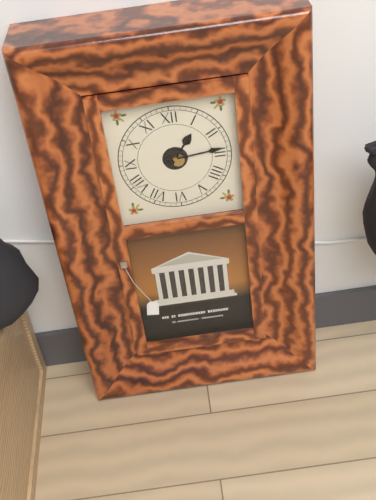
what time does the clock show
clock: 1:14
